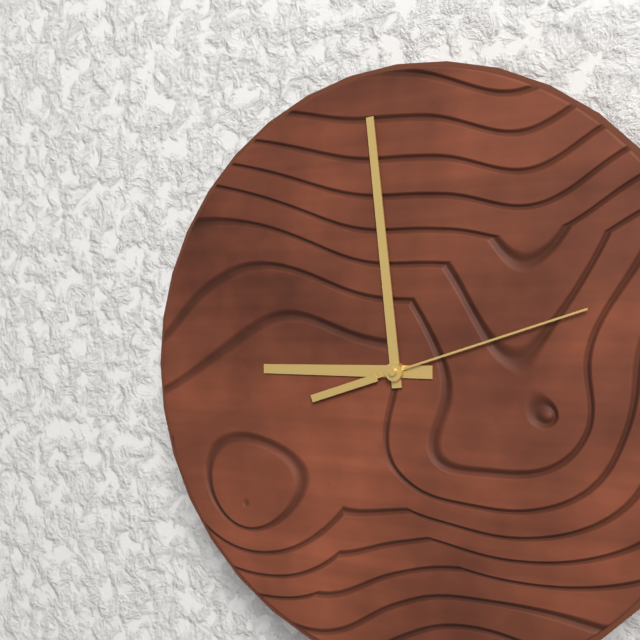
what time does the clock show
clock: 8:59:12
